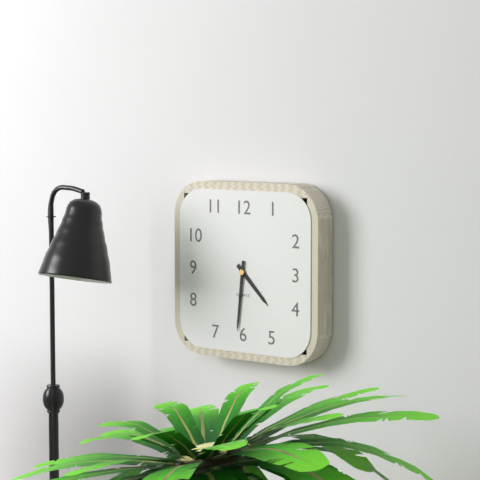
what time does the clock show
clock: 4:31
